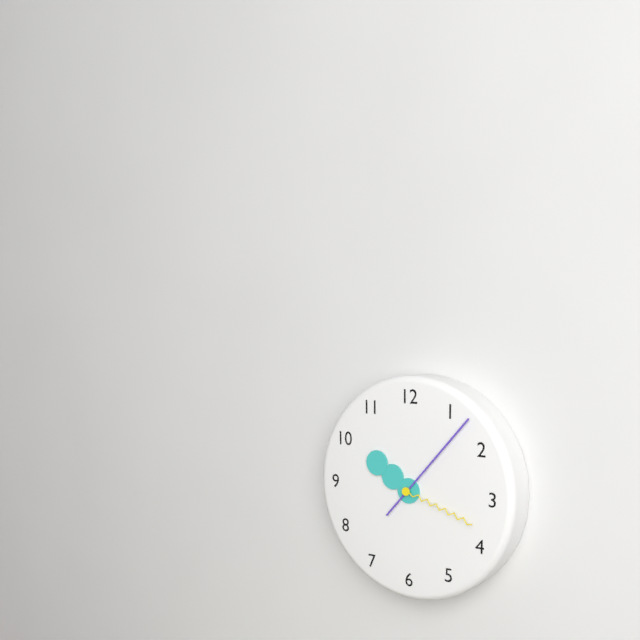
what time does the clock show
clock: 10:07:18
